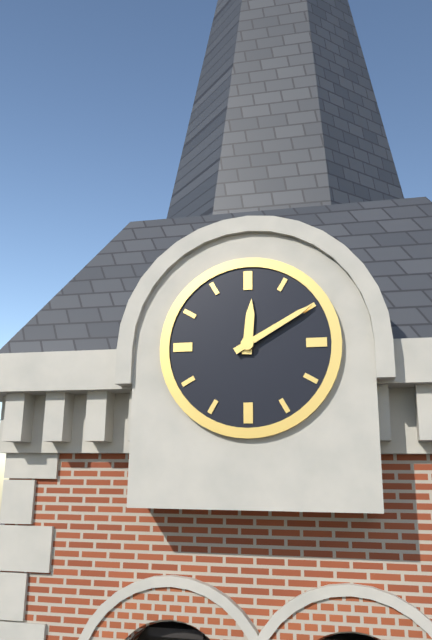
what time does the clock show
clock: 12:10
